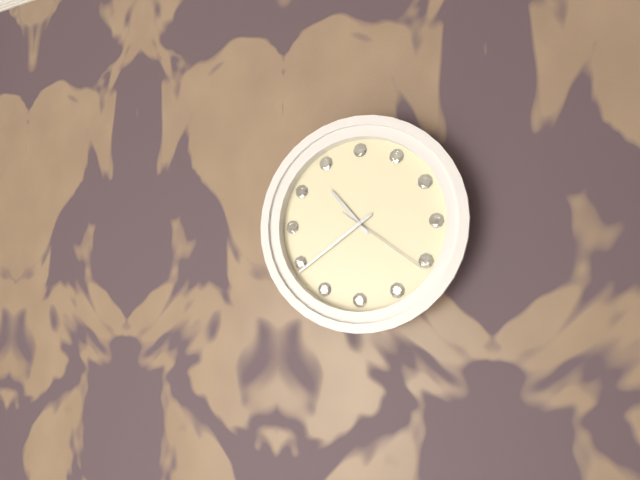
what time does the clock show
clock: 10:39:21
